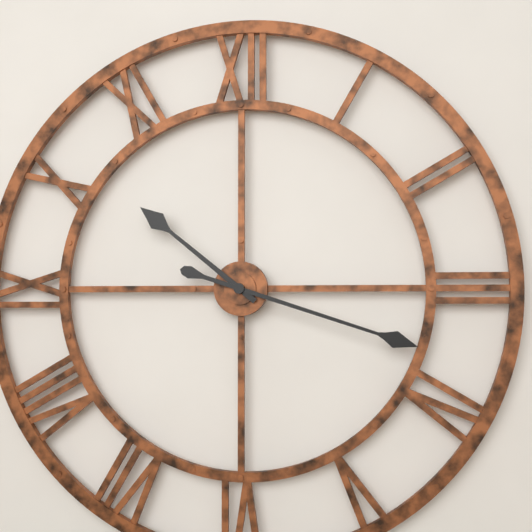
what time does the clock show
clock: 10:18
